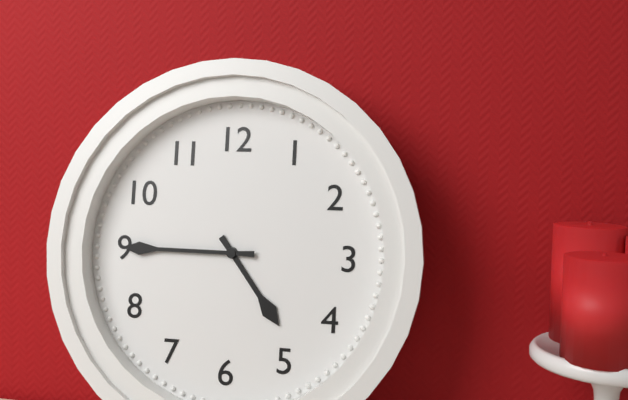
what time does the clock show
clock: 4:45
